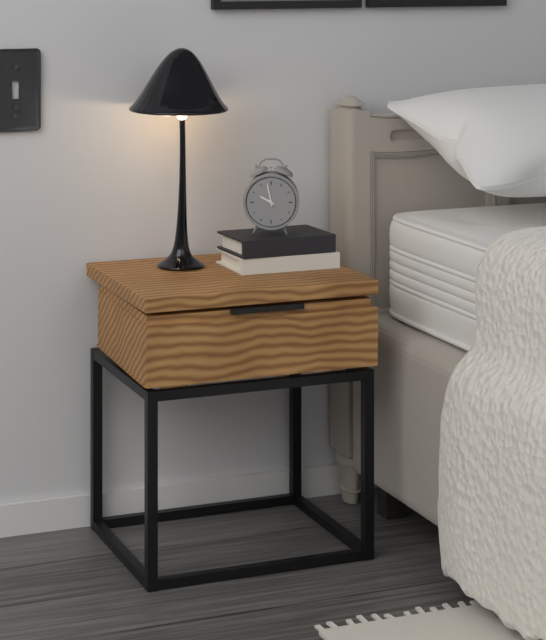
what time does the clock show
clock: 9:58
